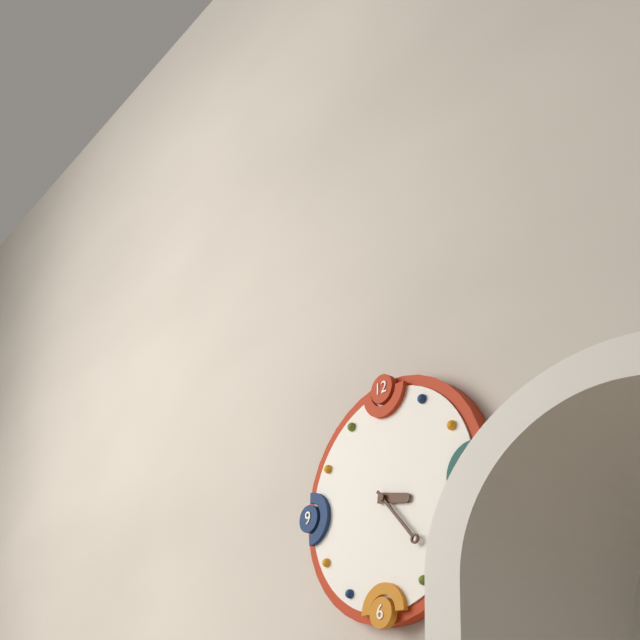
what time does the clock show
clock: 3:23
